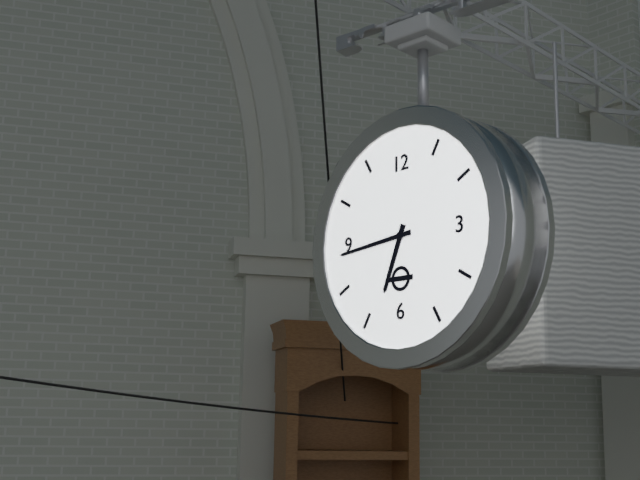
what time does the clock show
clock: 6:44
